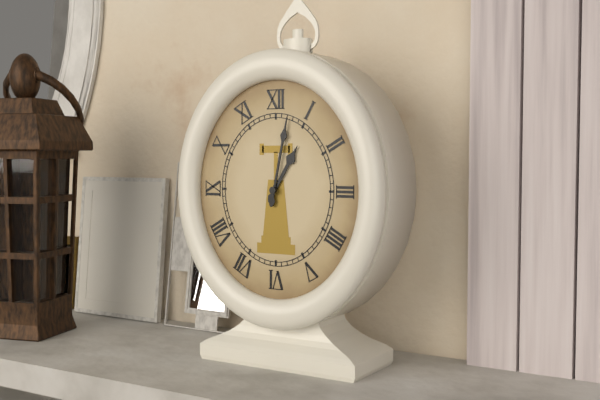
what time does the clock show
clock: 1:02
